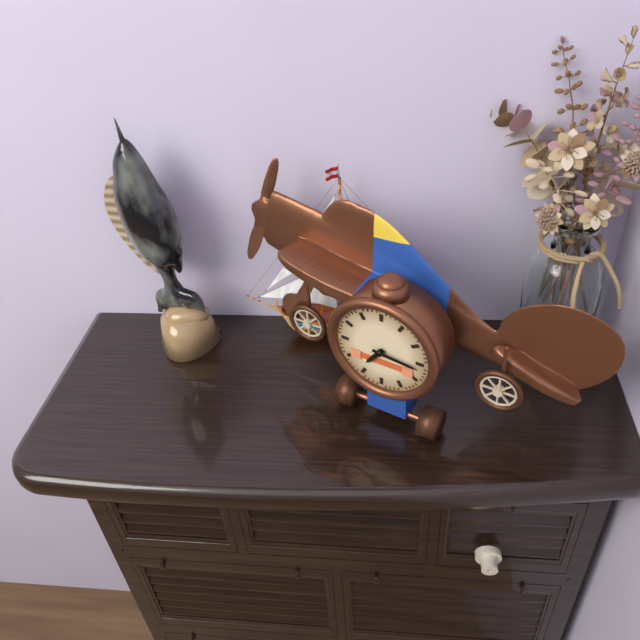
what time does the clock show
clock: 7:16
